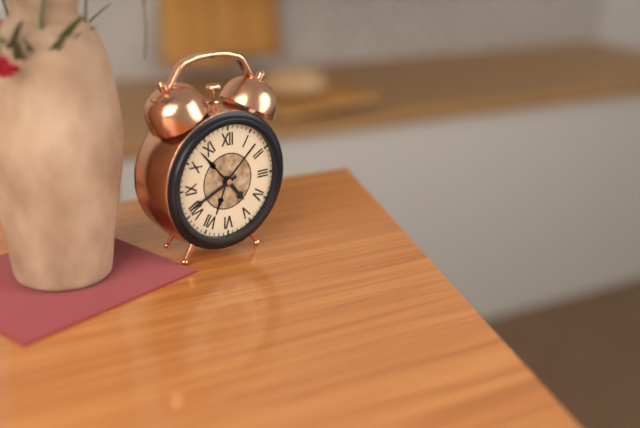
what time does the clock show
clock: 4:41
